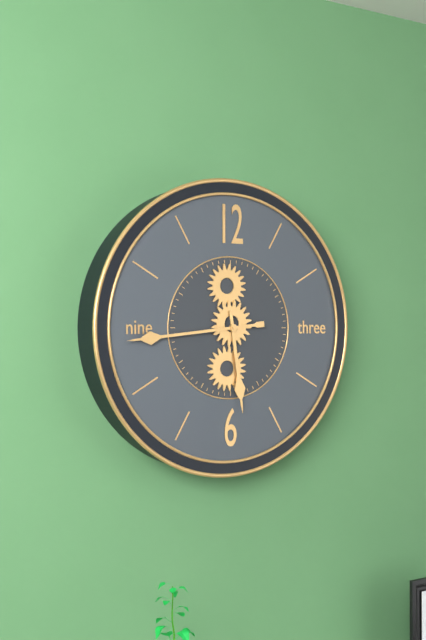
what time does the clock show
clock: 5:44
